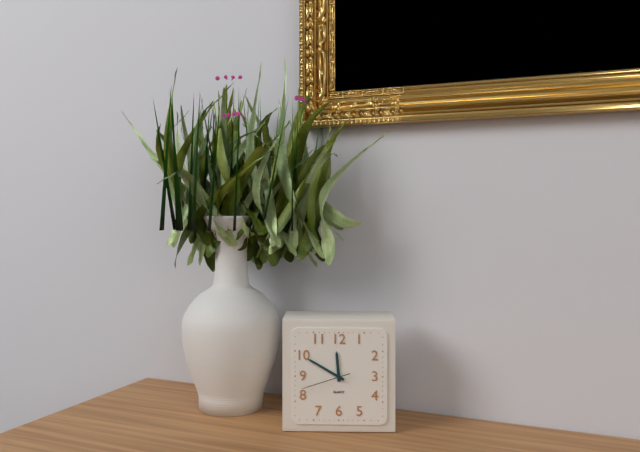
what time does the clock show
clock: 11:50
